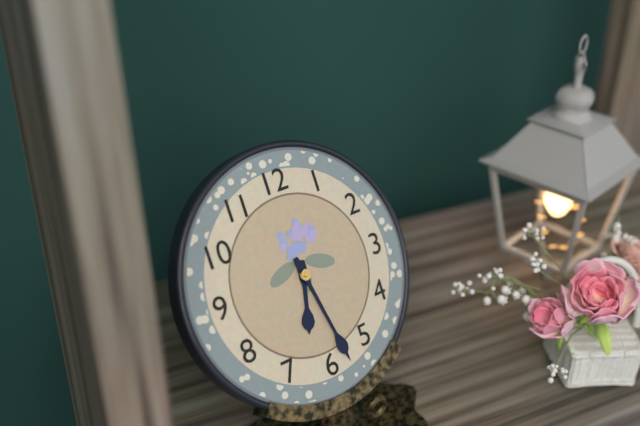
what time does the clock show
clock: 6:28
